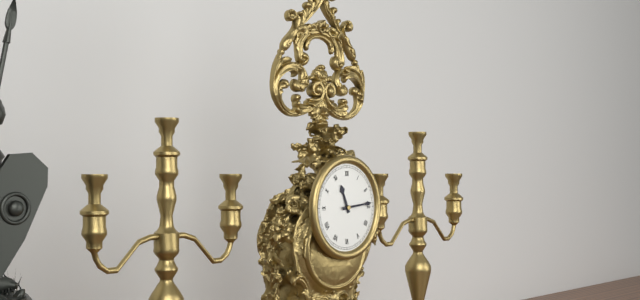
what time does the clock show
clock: 11:14
